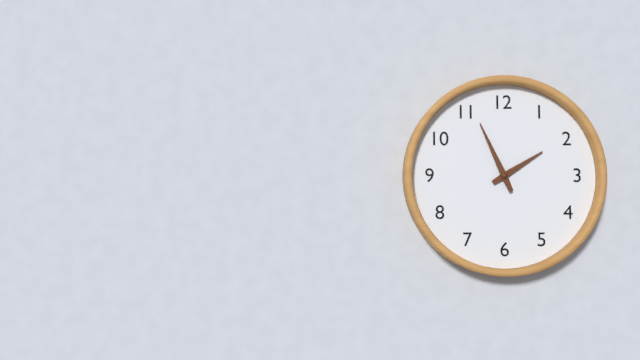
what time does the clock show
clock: 1:56
